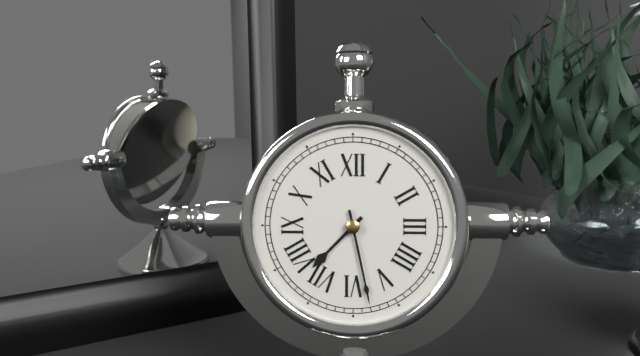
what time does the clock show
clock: 7:28
